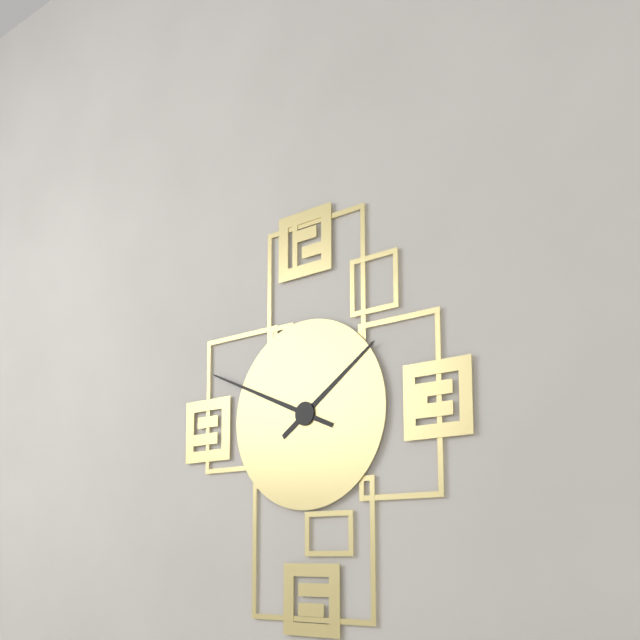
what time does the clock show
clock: 1:49
